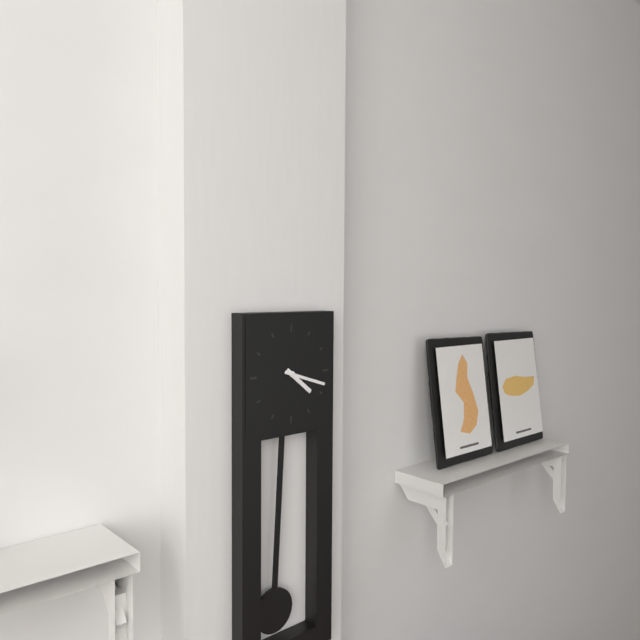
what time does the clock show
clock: 4:18
